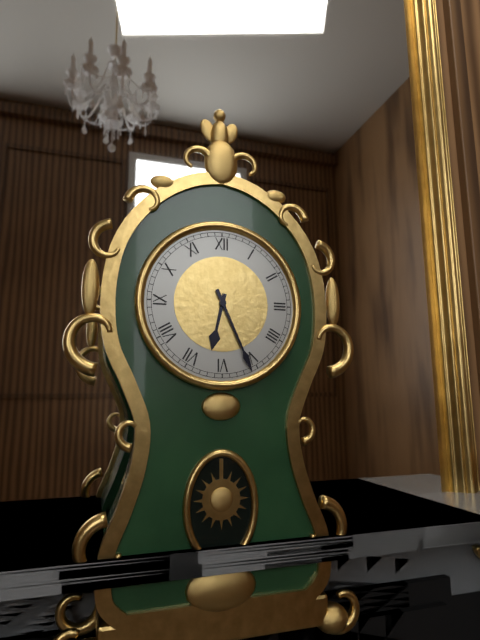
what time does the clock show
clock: 6:26
